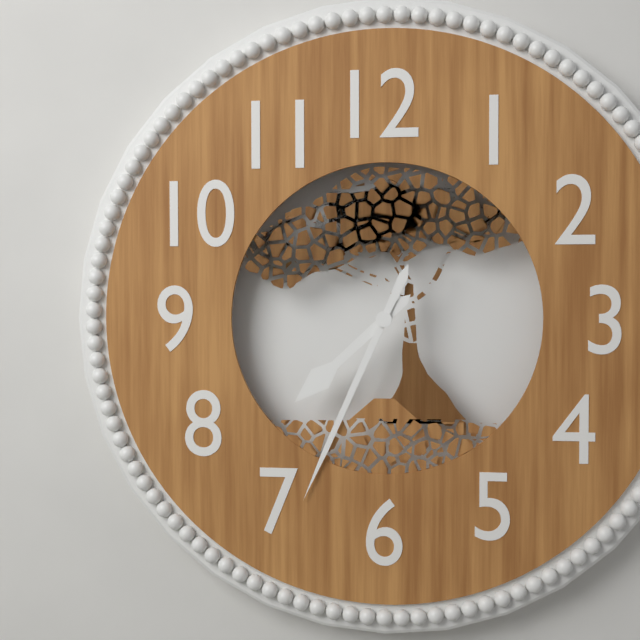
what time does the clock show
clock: 7:34
